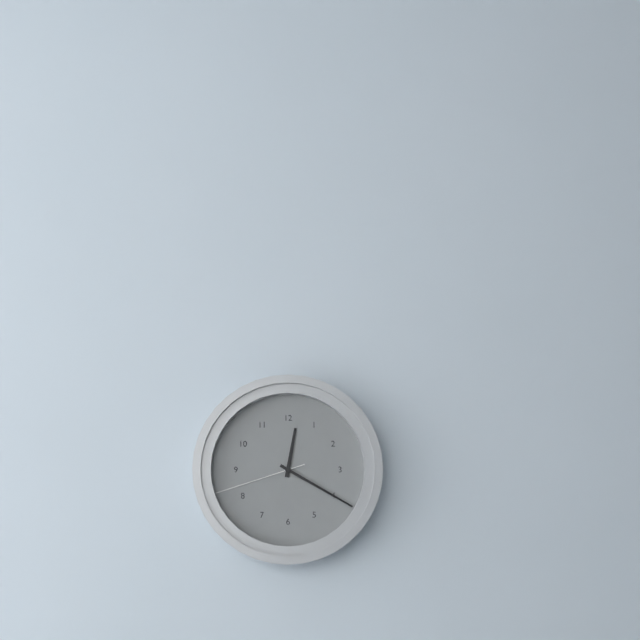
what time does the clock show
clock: 12:20:42
